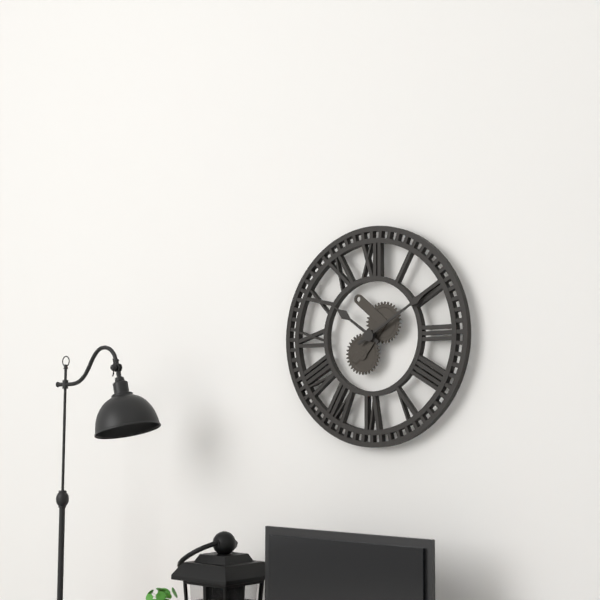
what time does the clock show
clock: 10:10
